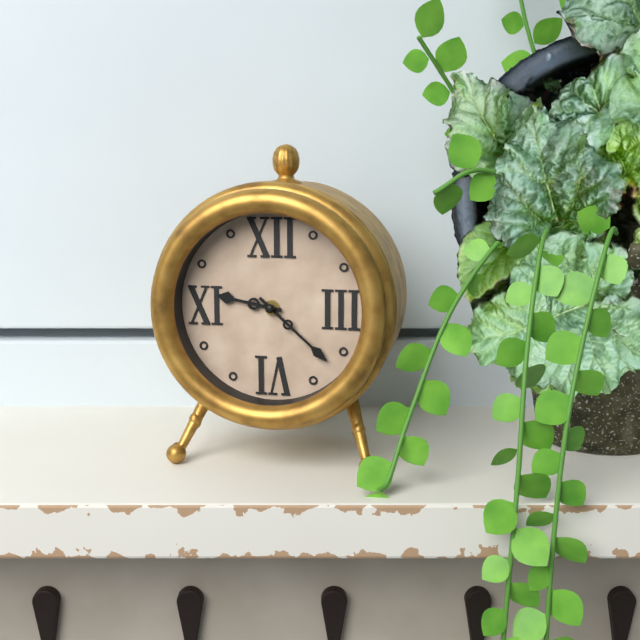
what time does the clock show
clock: 9:22
